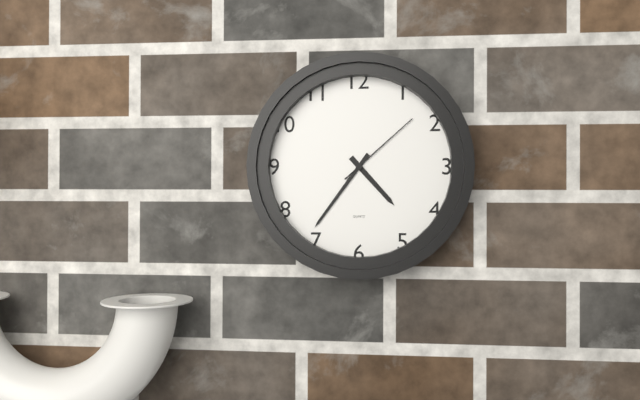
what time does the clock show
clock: 4:36:08
